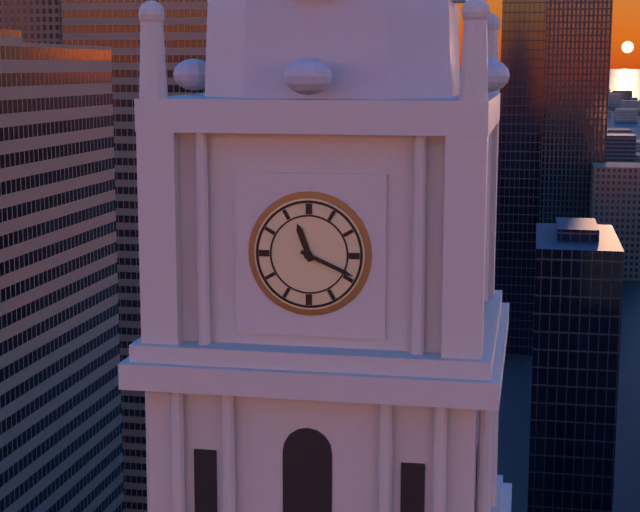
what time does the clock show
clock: 11:19
